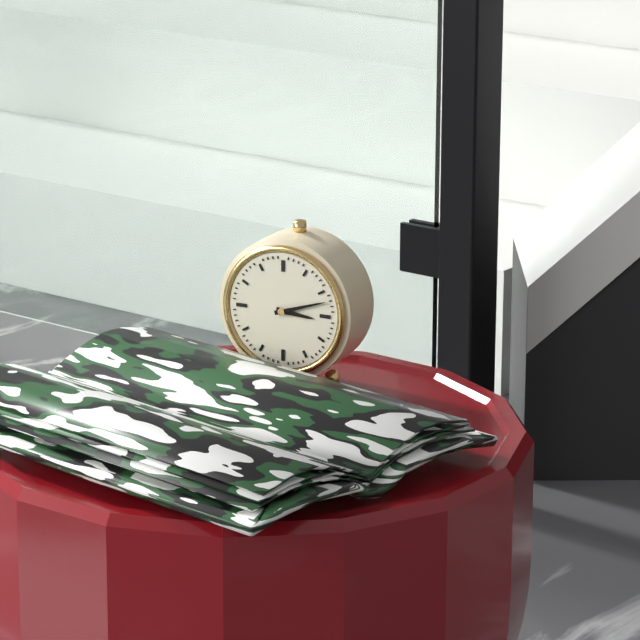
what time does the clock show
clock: 3:12
